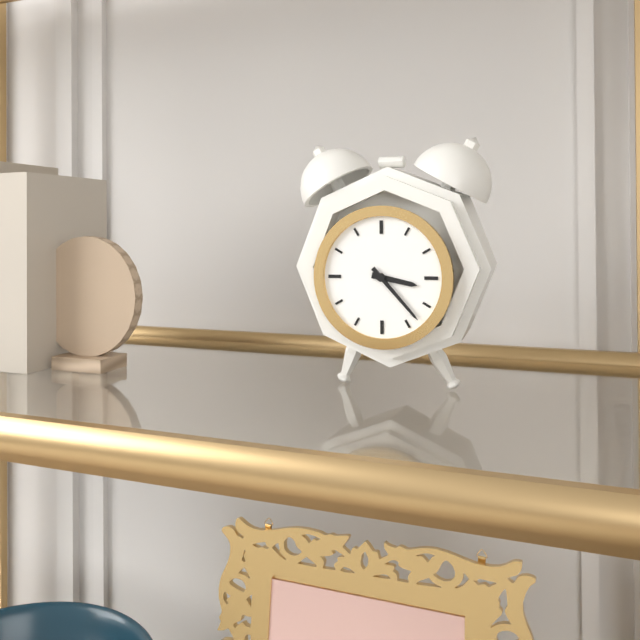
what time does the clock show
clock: 3:23
